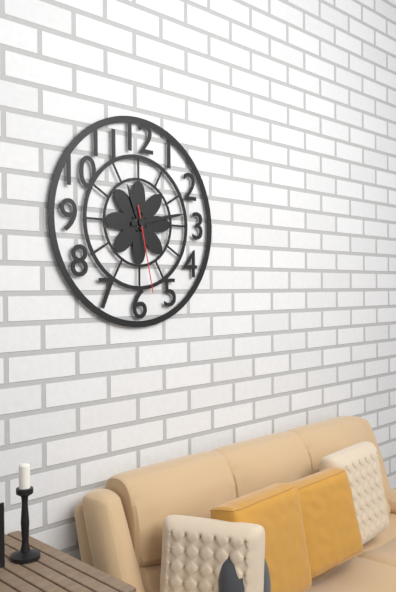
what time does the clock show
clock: 11:13:28
